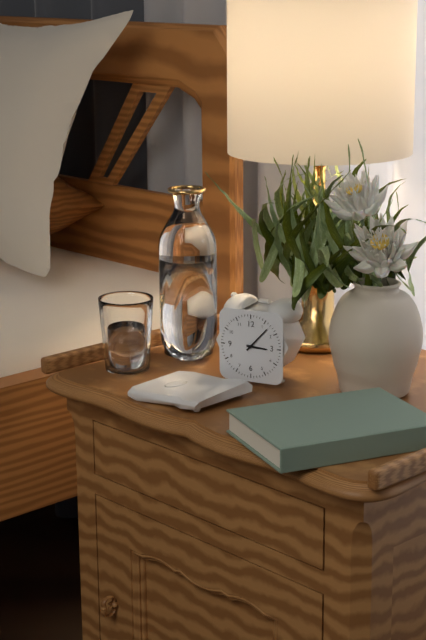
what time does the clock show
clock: 3:07
